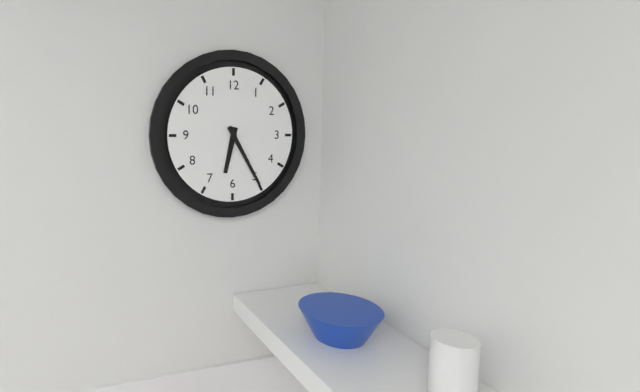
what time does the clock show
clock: 6:25
